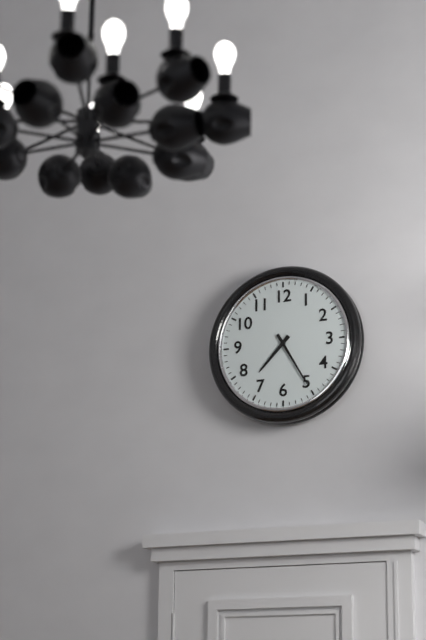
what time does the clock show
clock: 7:25
